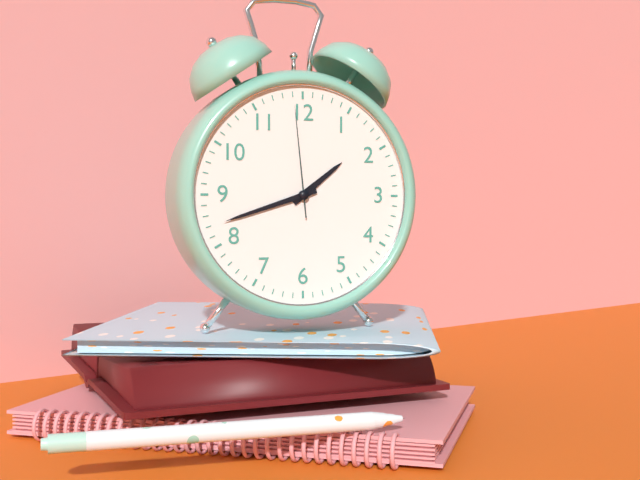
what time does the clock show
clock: 1:42:59
